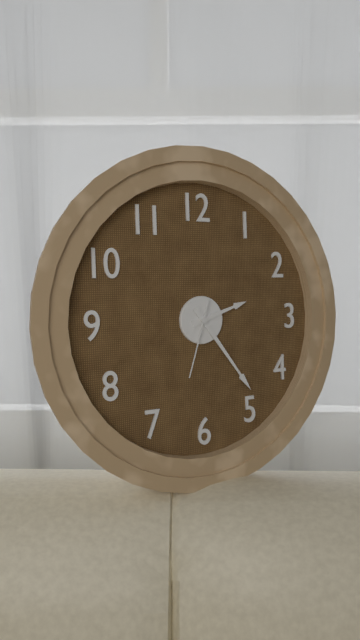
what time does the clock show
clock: 2:24:33
